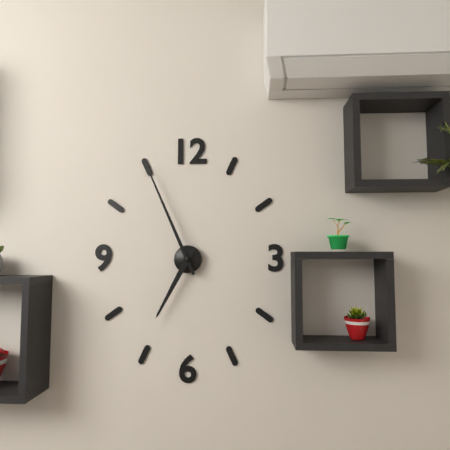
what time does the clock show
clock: 6:56
